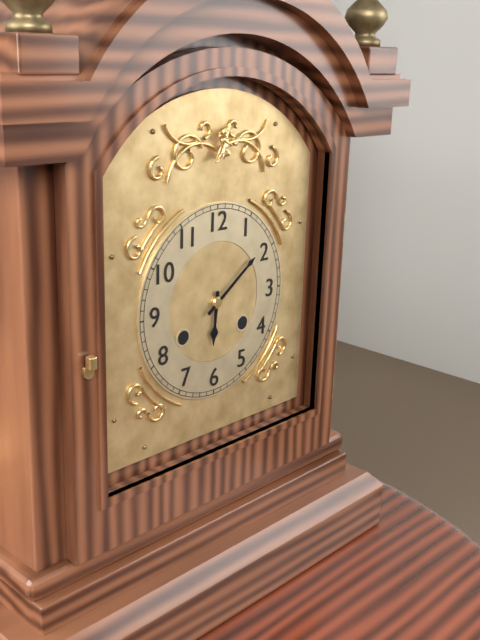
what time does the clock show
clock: 6:09
